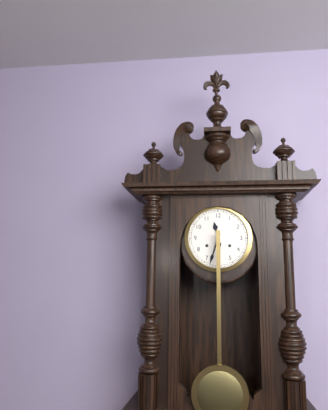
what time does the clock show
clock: 11:33
